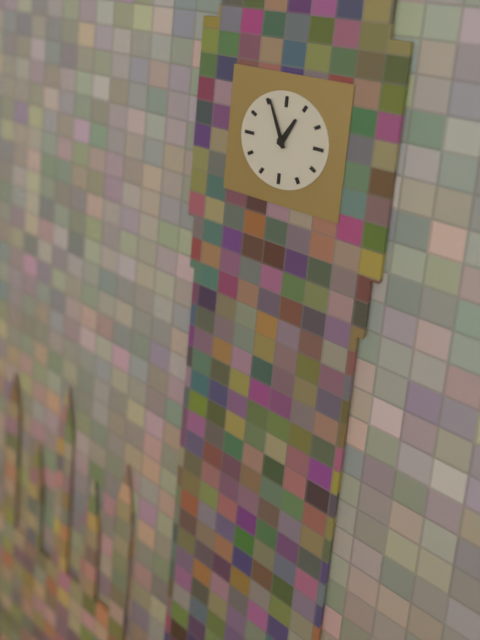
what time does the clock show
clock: 12:56
